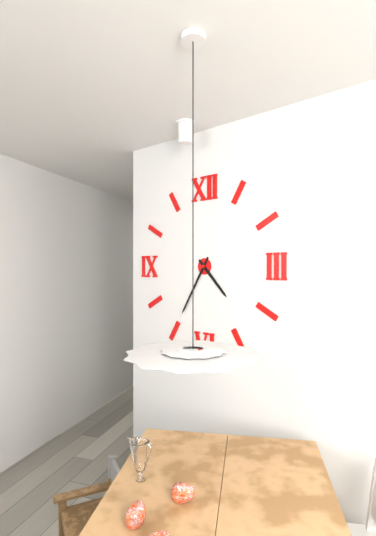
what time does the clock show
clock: 4:35
